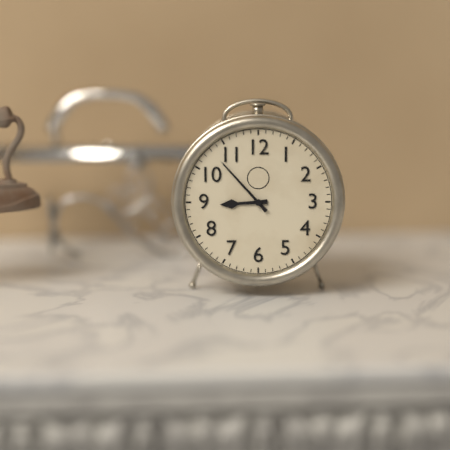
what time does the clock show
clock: 8:53
